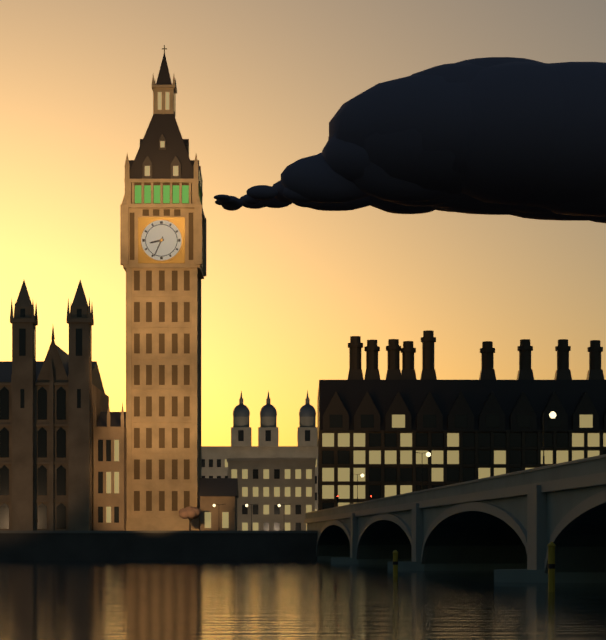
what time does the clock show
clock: 8:34
